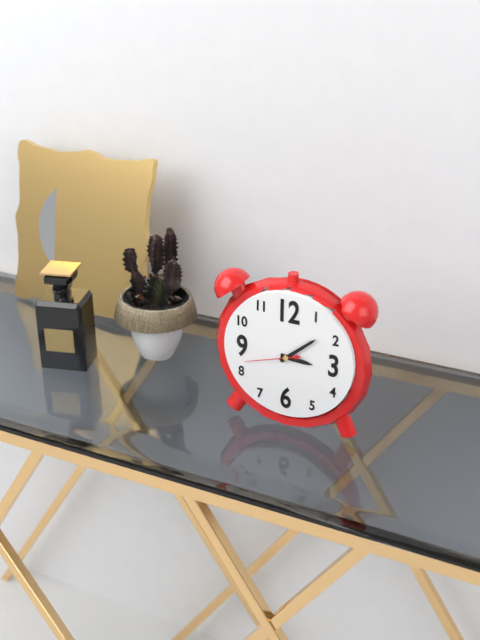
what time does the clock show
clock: 3:08:42
